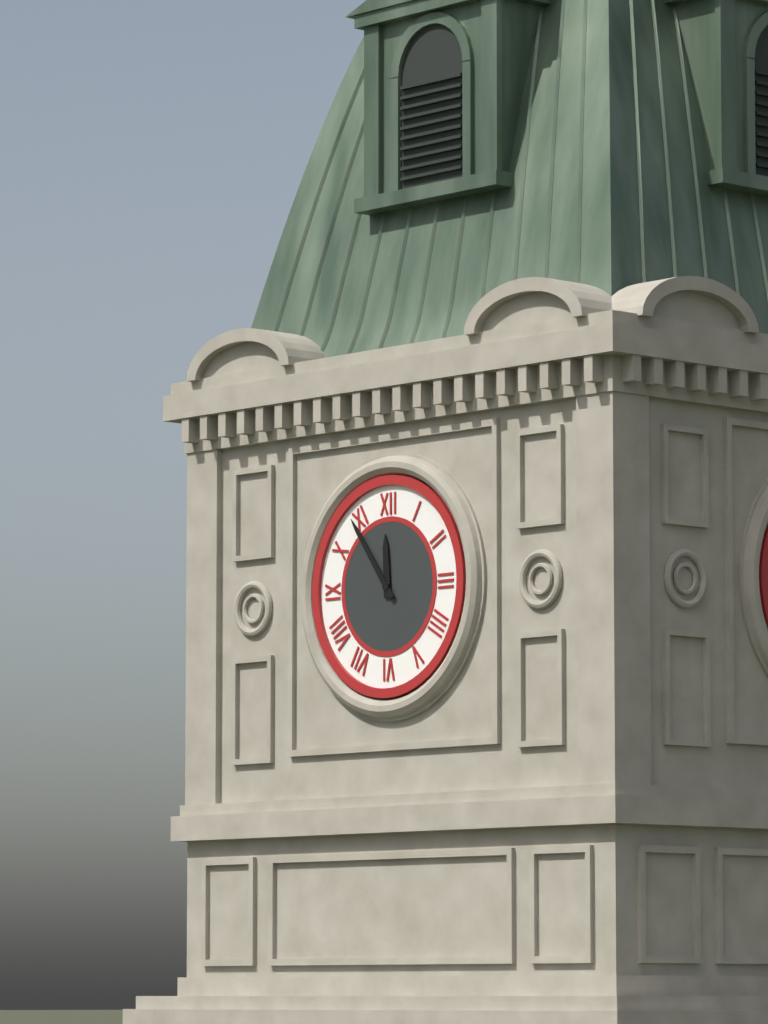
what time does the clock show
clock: 11:54
